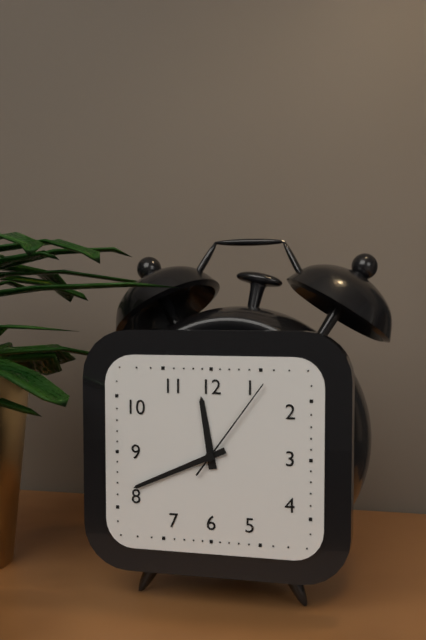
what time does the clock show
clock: 11:41:06
